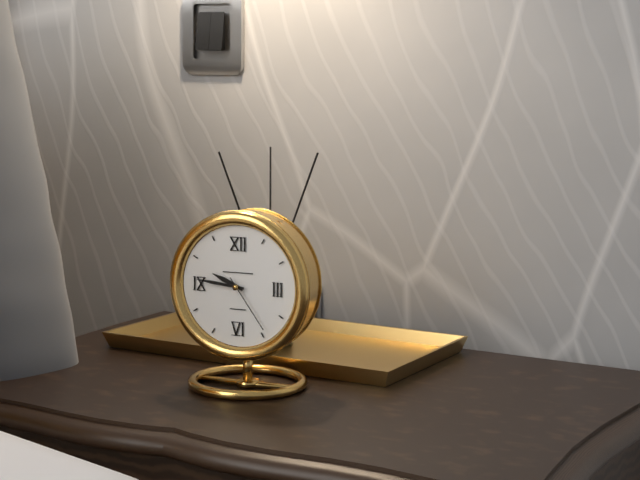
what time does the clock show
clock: 9:46:24
